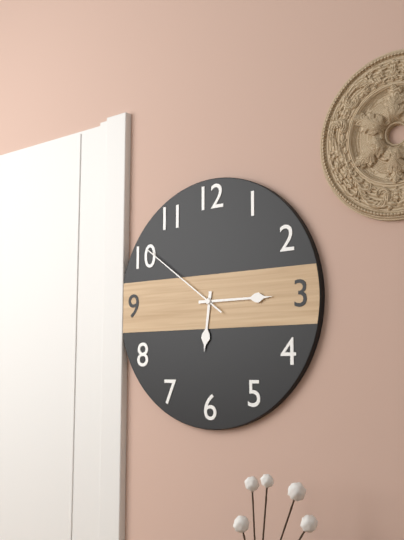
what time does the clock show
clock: 6:15:51
